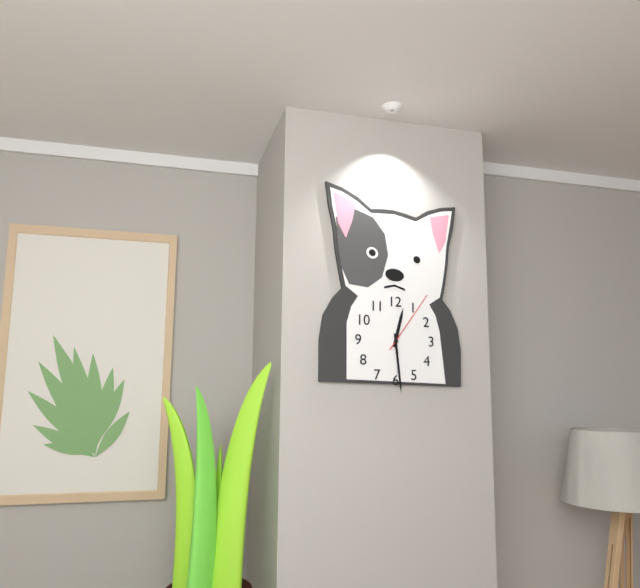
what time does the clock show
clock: 12:29:06
